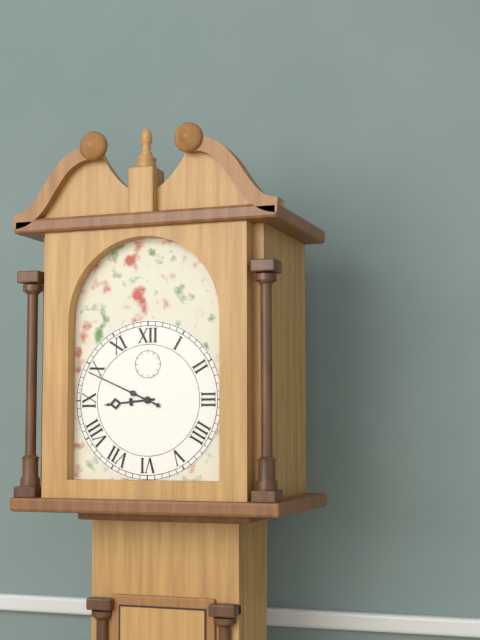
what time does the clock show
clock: 8:49
